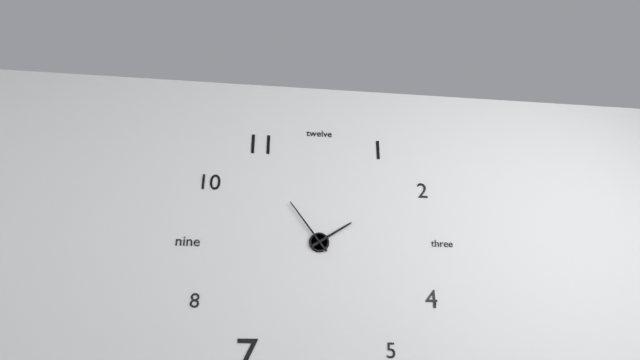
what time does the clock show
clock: 1:54
